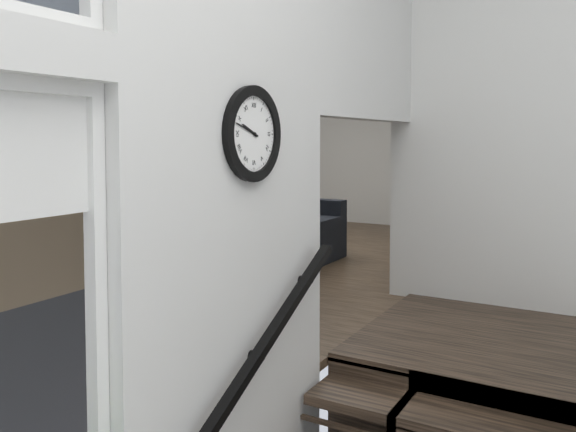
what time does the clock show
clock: 9:48
